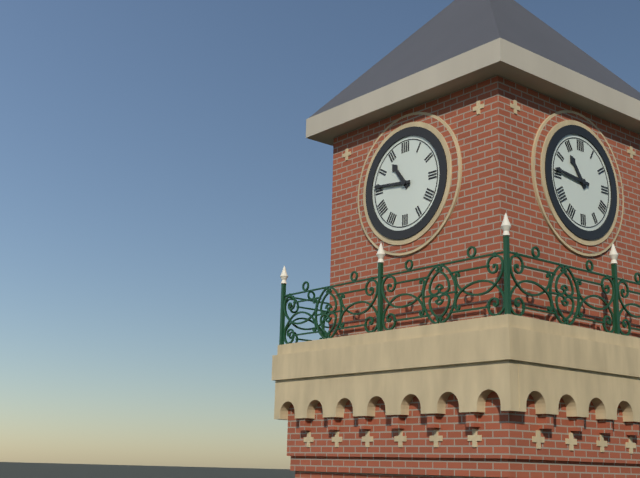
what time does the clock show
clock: 10:46
